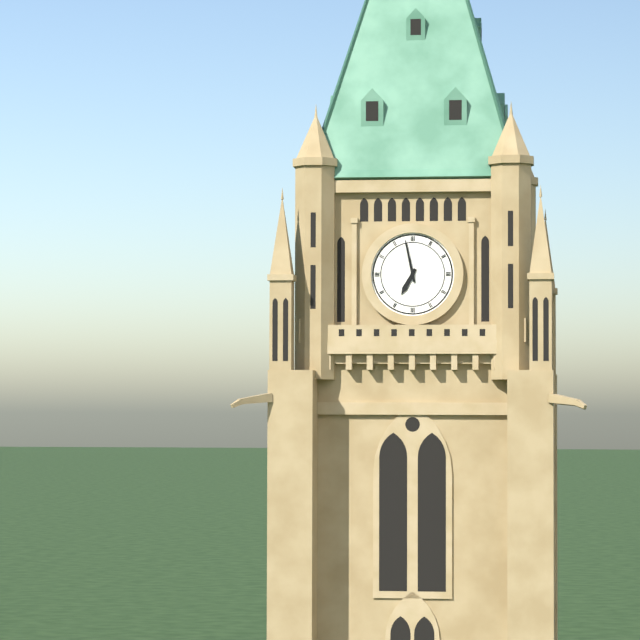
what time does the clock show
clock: 6:58
